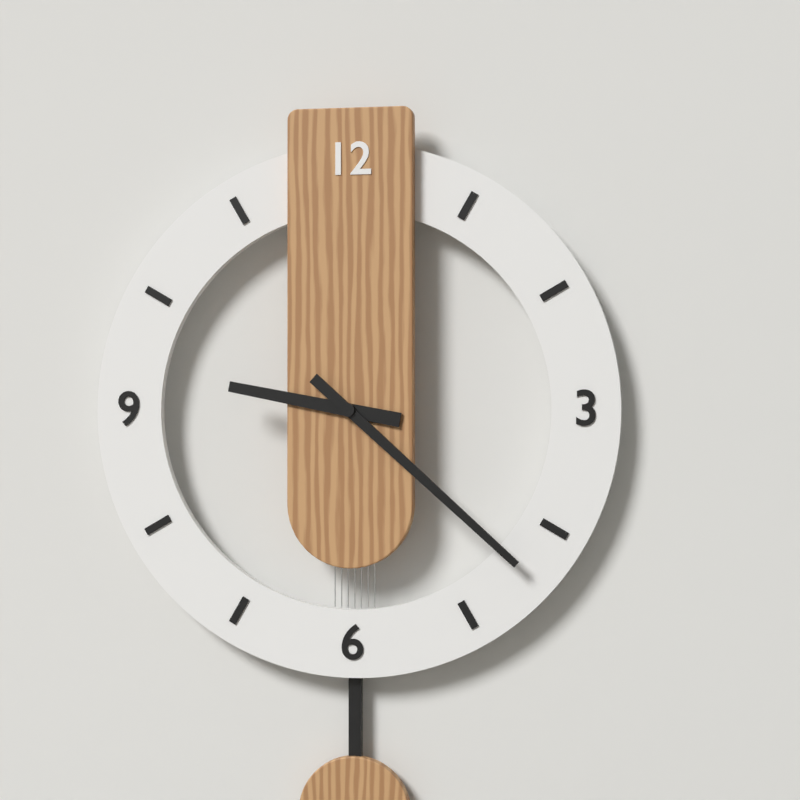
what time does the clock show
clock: 9:22
